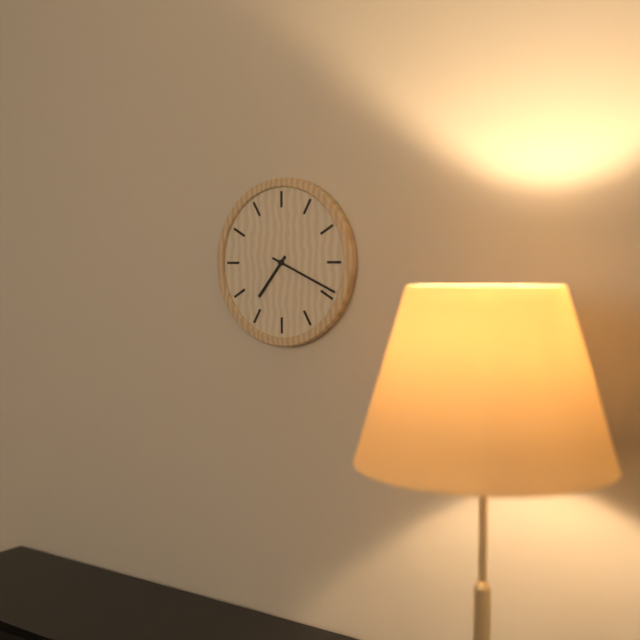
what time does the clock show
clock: 7:19
